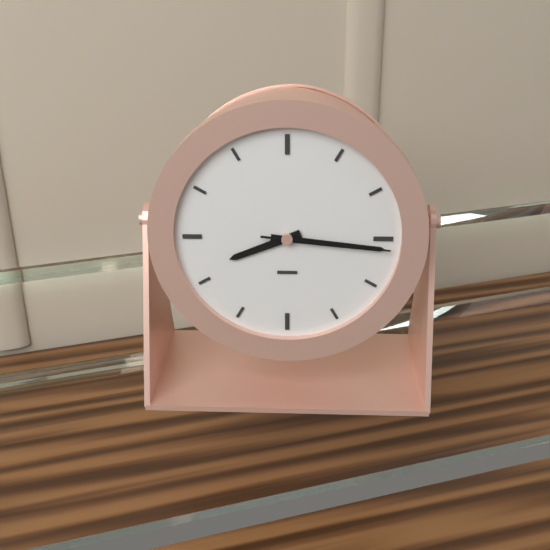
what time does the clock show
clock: 8:16:16
